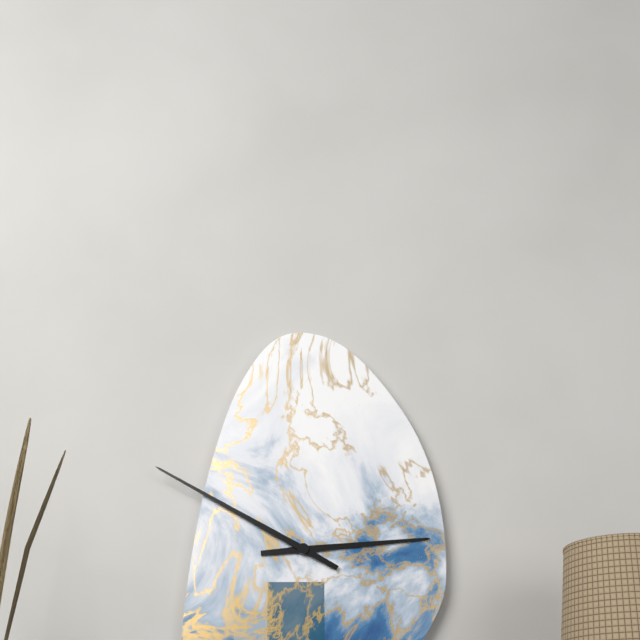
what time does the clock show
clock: 2:50
